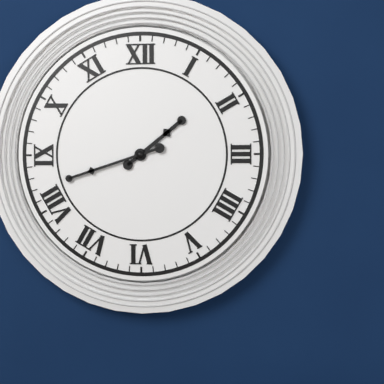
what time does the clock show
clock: 1:42
